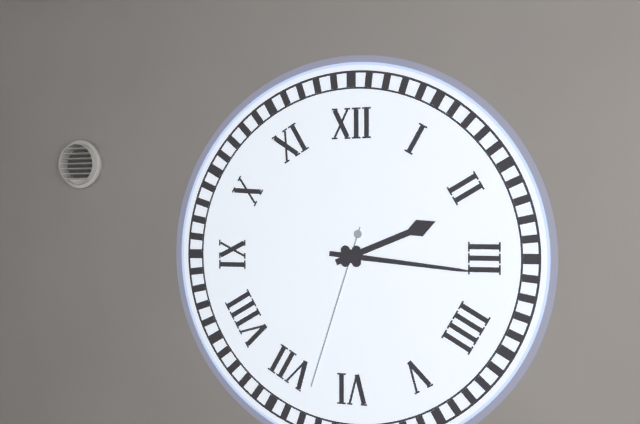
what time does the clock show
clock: 2:16:33
